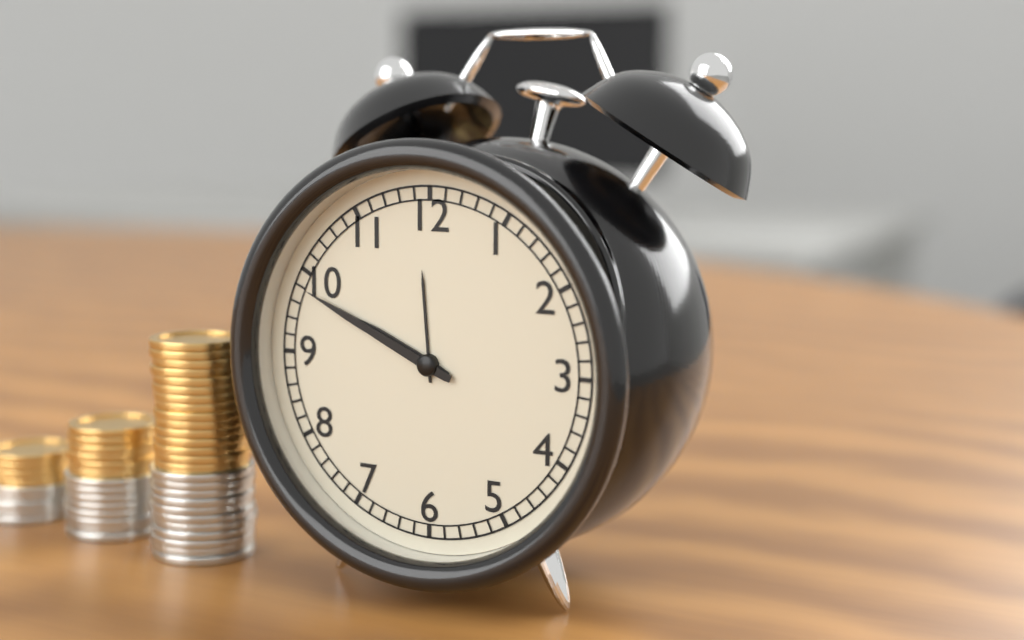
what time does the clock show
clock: 9:49
